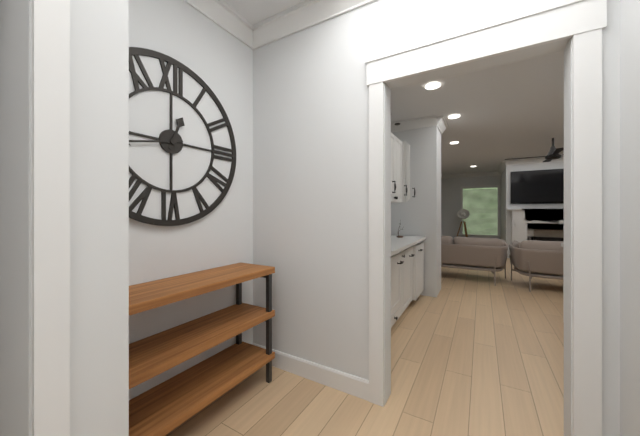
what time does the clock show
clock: 12:43
